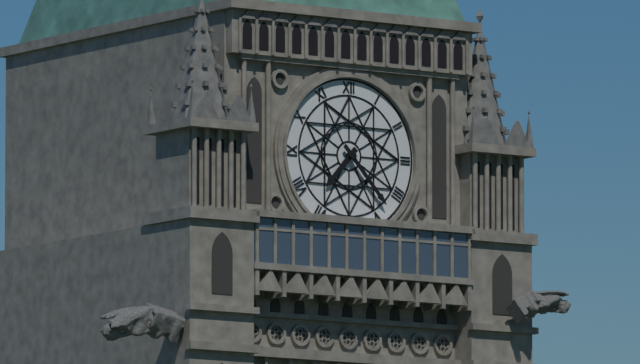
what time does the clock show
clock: 7:23
